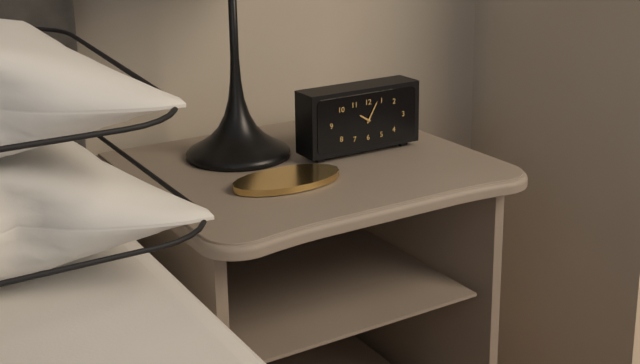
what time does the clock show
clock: 10:05
